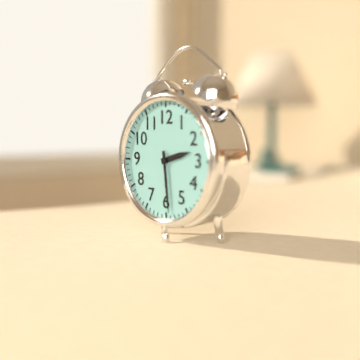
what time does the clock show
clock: 2:29
